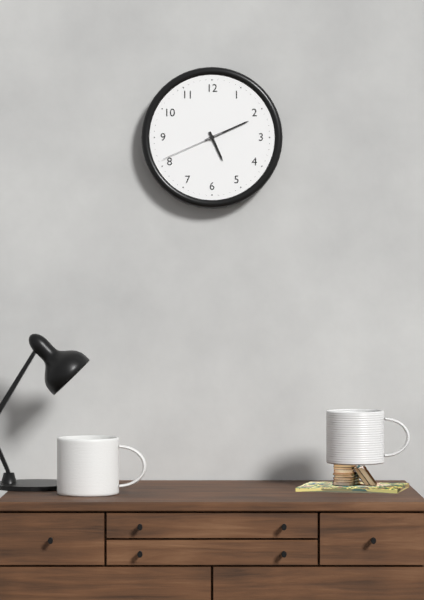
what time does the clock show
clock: 5:11:41
